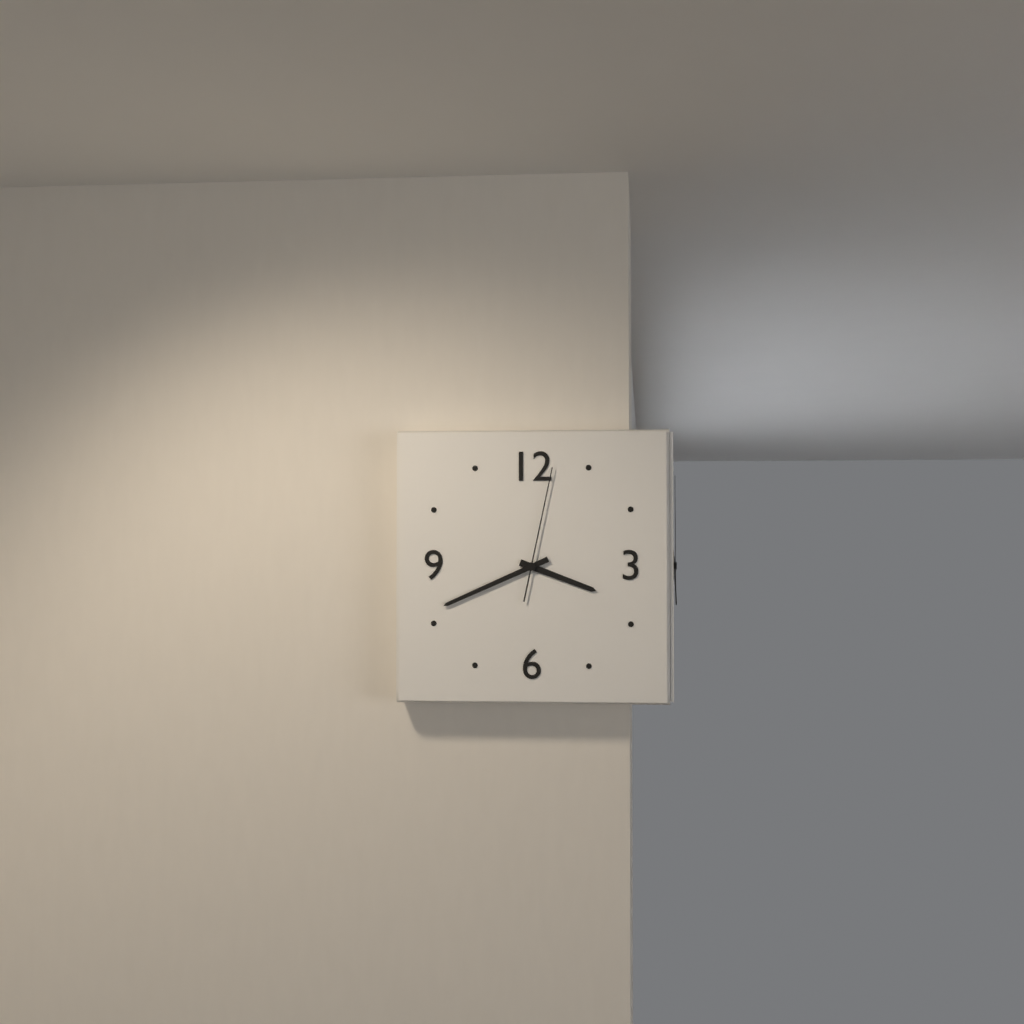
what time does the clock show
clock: 3:41:02
